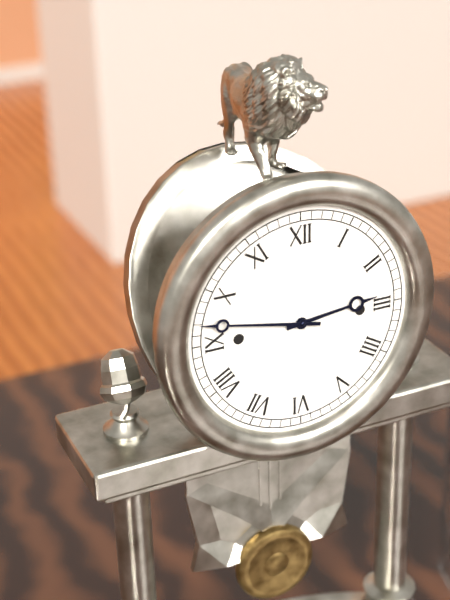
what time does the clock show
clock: 2:47
